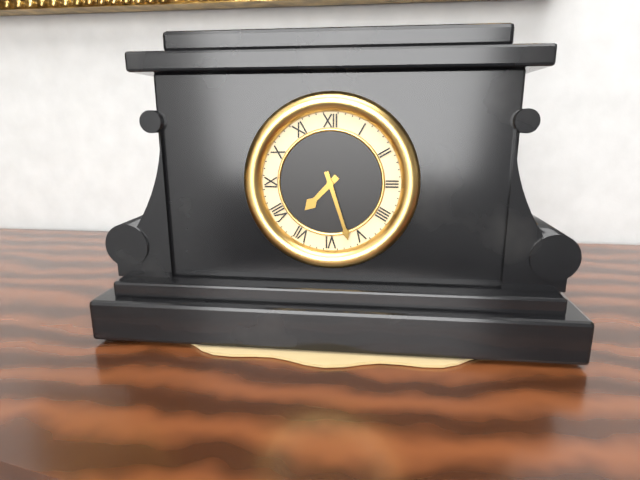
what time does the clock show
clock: 7:27
